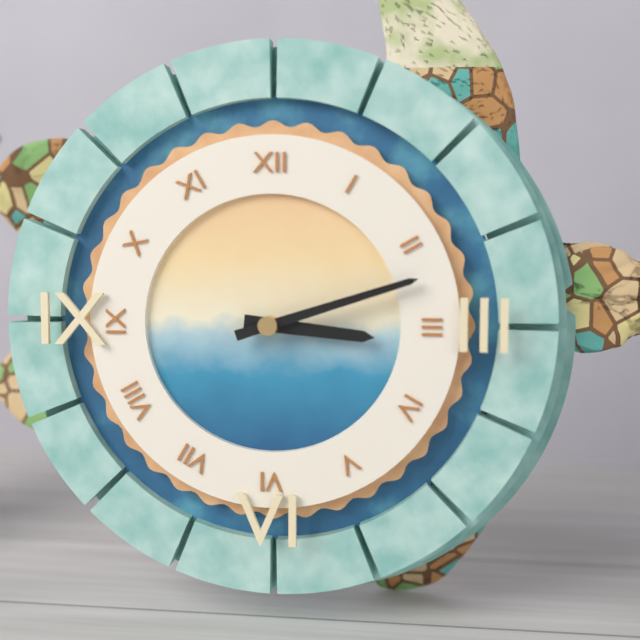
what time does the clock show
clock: 3:12
